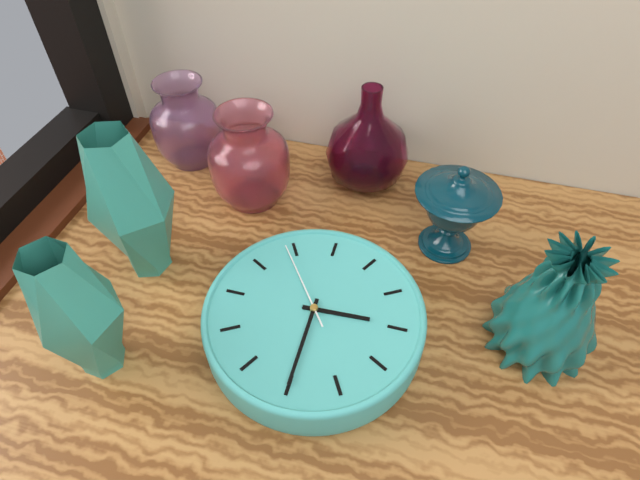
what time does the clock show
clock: 7:55:19
